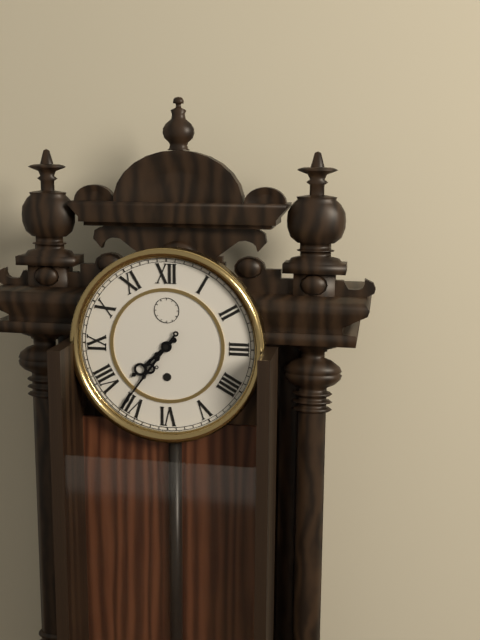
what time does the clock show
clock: 7:36
